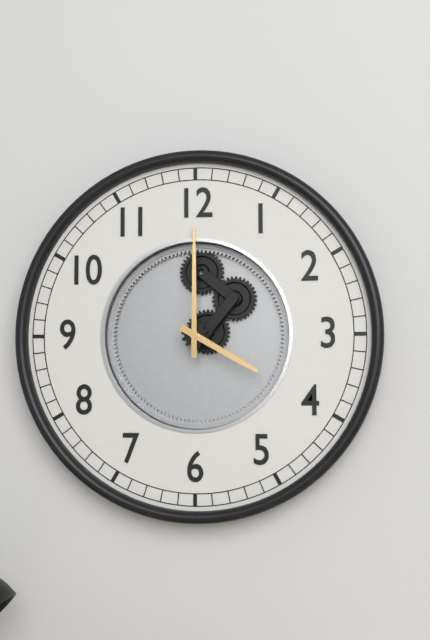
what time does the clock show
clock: 4:00
